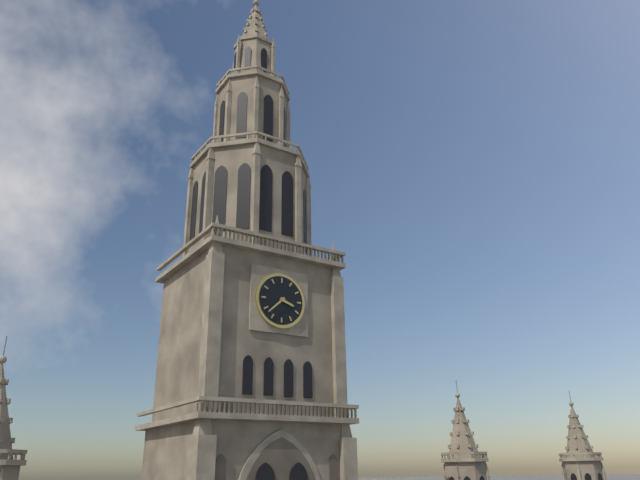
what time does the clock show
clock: 3:38
